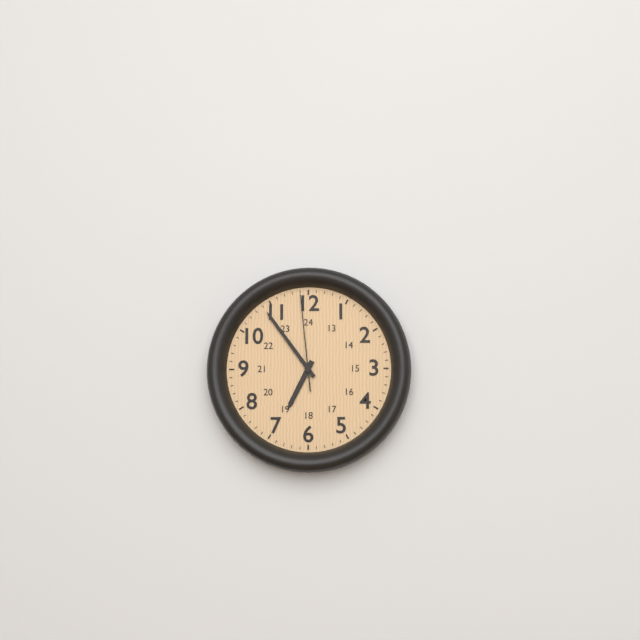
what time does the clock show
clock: 6:54:59
